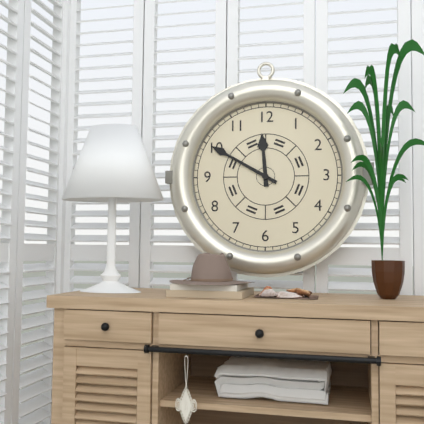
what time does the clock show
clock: 11:50
